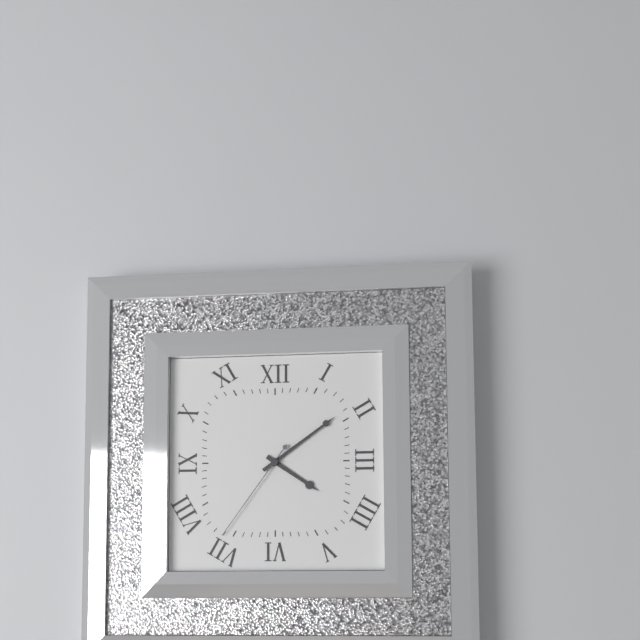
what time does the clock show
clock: 4:09:36
